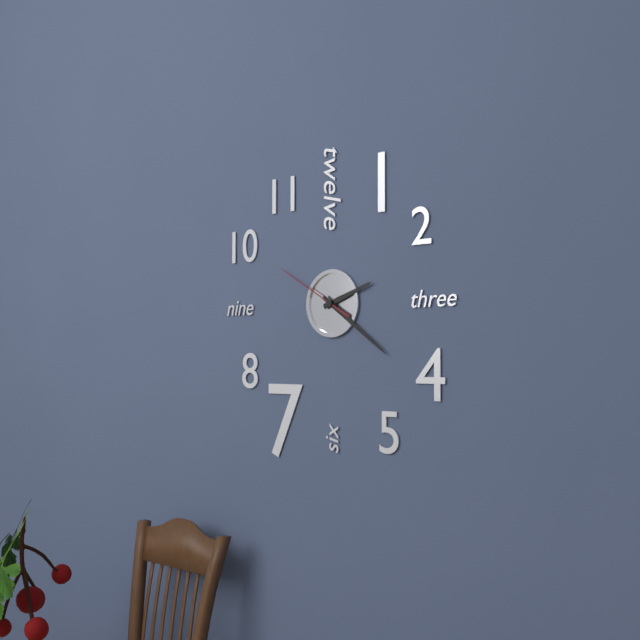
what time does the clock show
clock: 2:21:50
